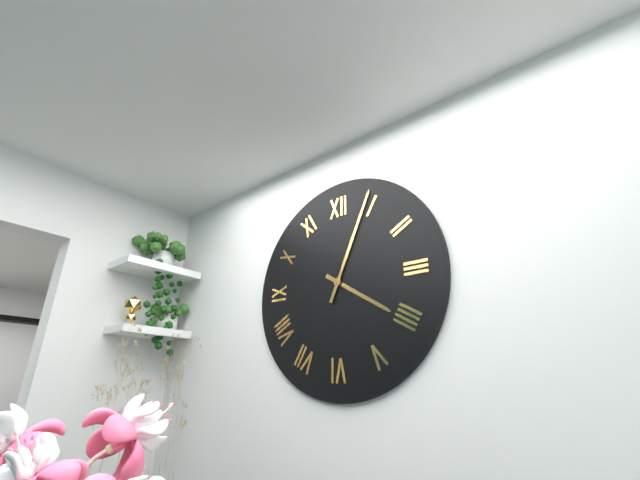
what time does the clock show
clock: 4:04
